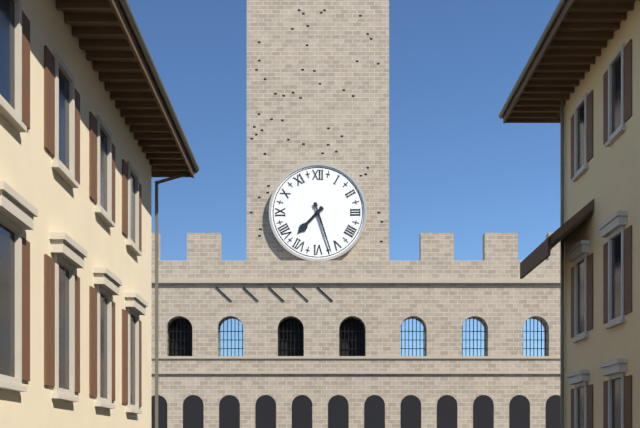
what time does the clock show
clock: 7:27
